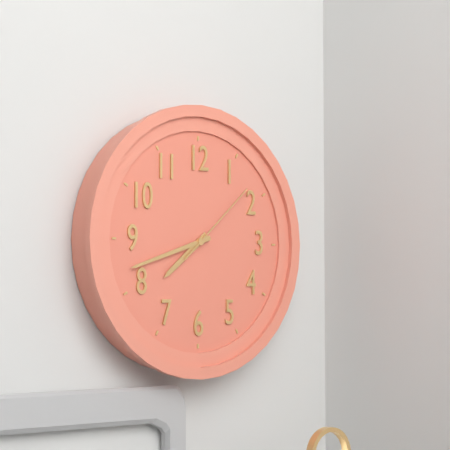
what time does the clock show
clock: 7:42:08
